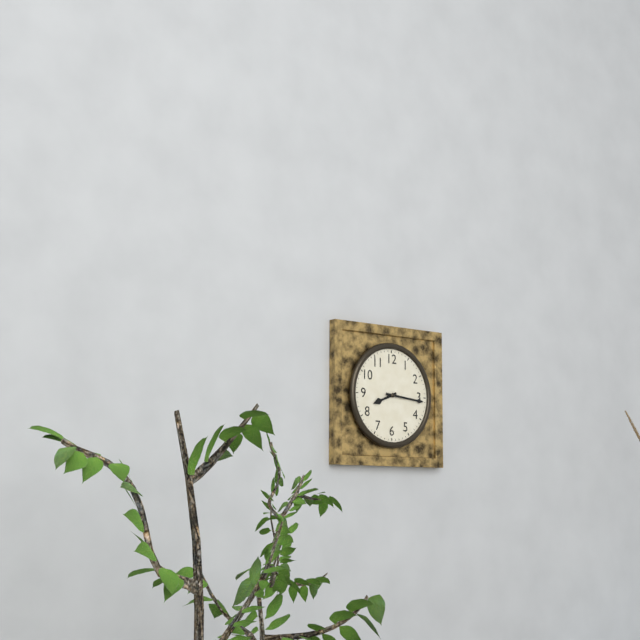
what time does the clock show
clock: 8:16
